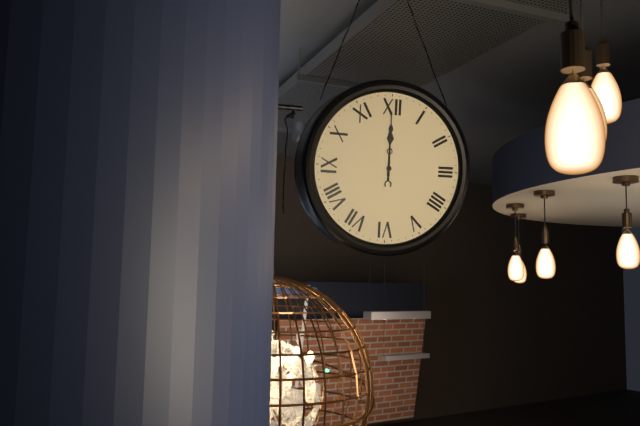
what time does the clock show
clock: 12:00
